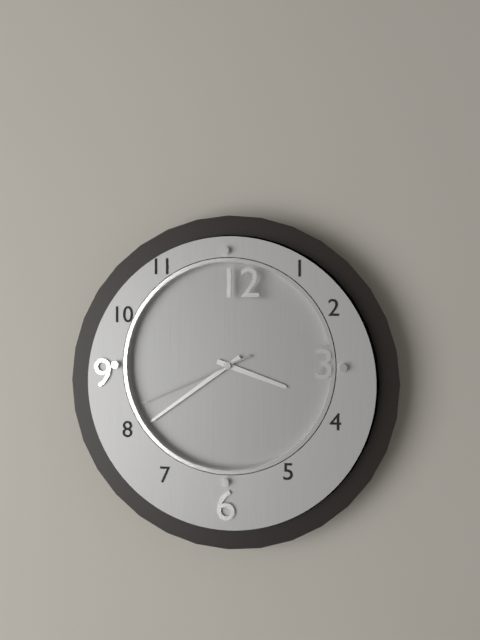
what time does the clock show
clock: 3:39:41
